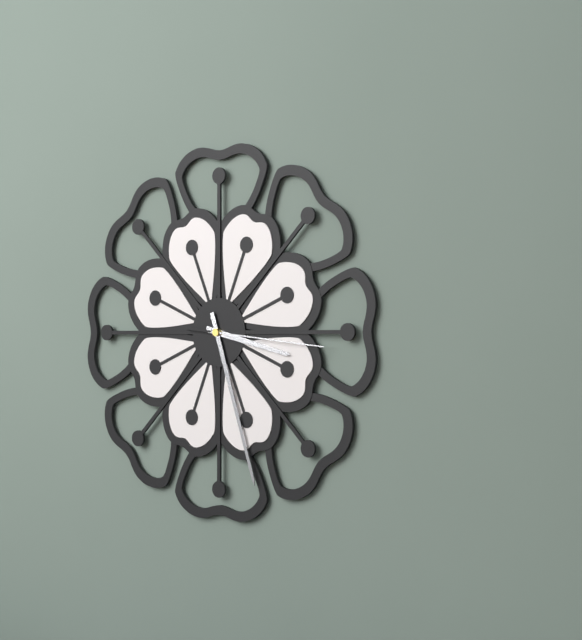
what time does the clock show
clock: 3:27:16
